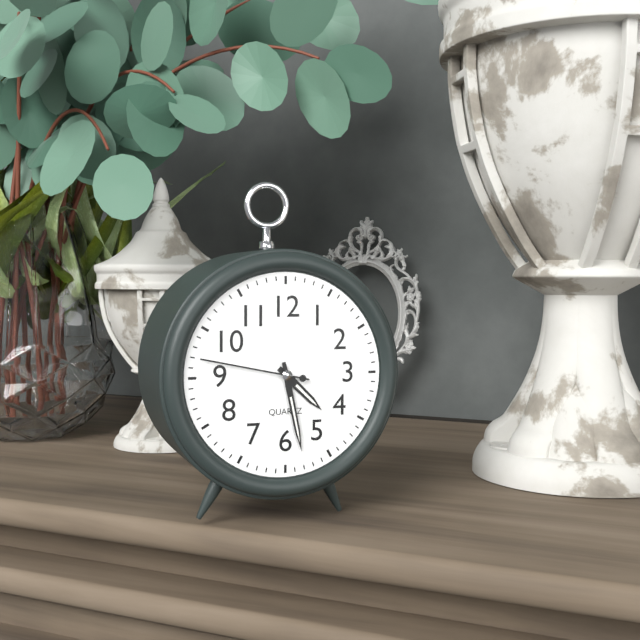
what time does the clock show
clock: 4:28:47
